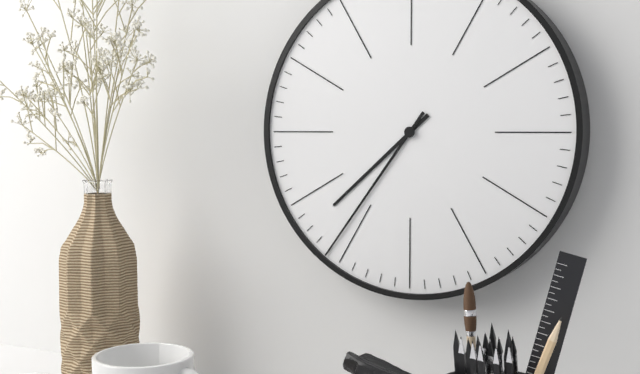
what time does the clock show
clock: 7:36
